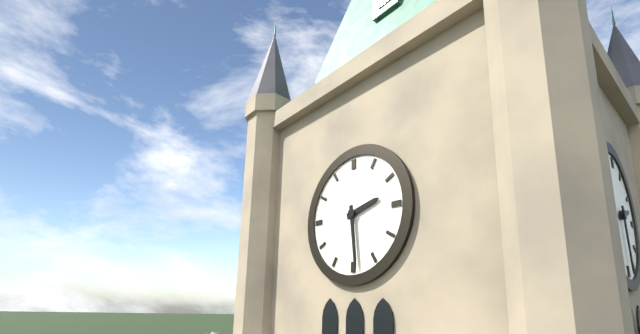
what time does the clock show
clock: 2:29
